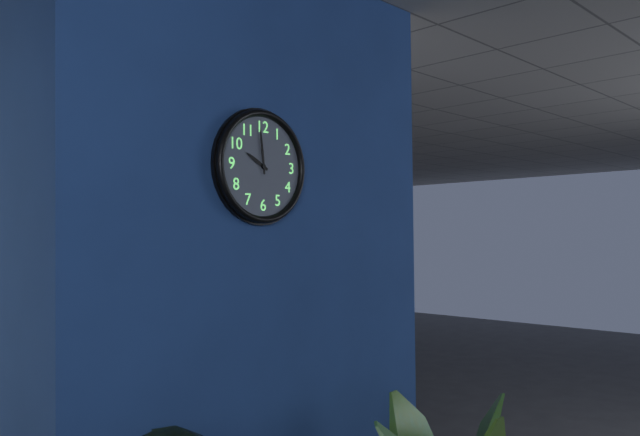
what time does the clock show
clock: 9:59
